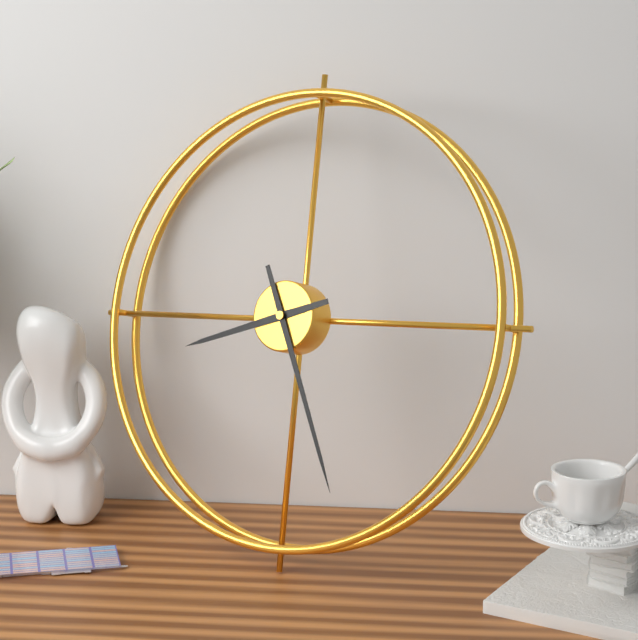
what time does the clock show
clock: 8:26
